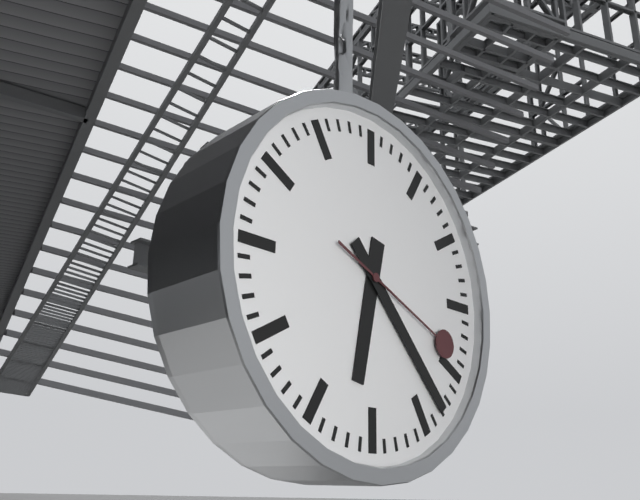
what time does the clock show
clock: 6:23:19
